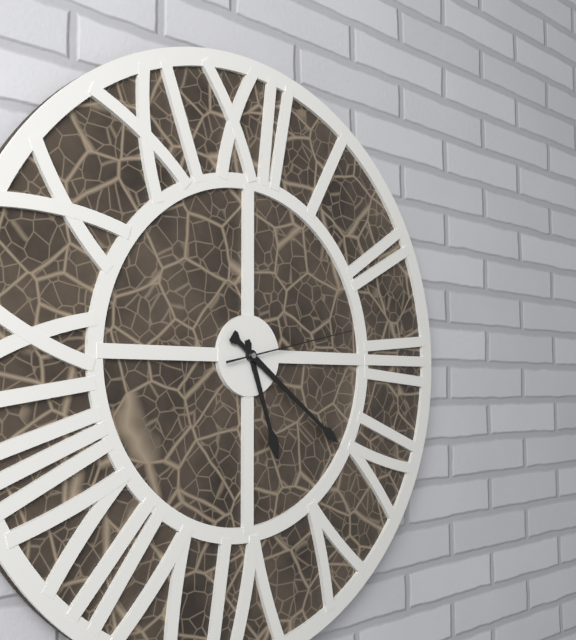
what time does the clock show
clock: 5:21:13
